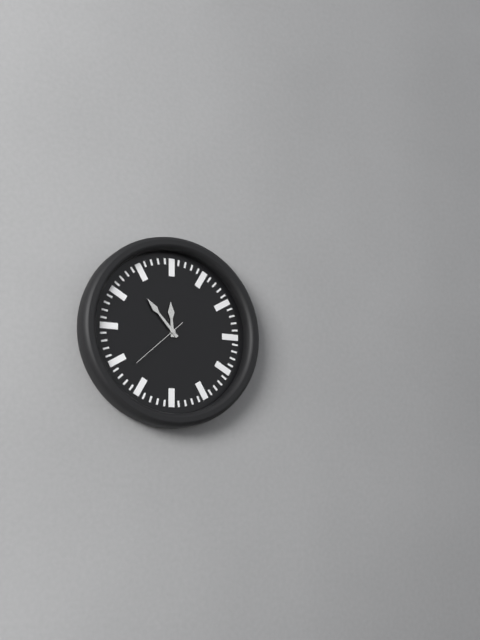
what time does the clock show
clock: 11:53:38
